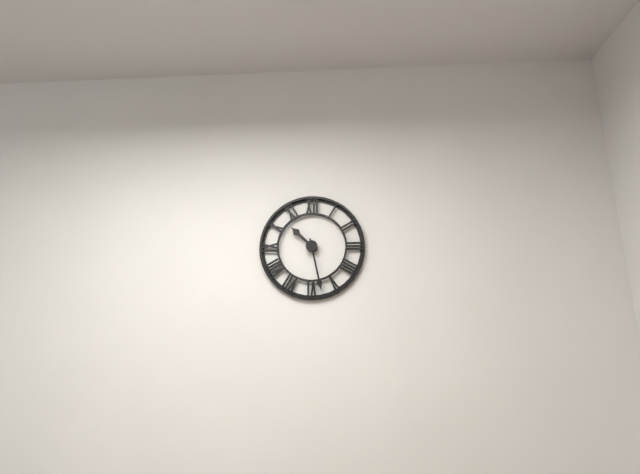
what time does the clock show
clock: 10:28
